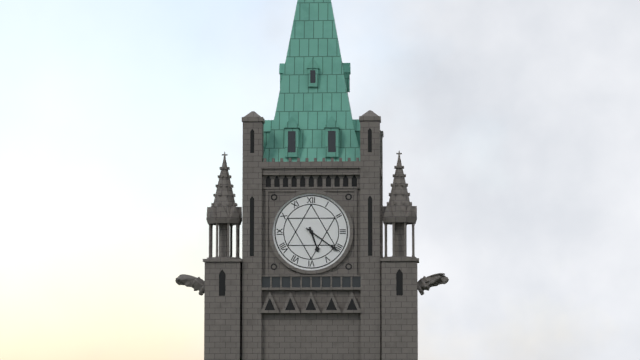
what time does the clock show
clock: 5:21
